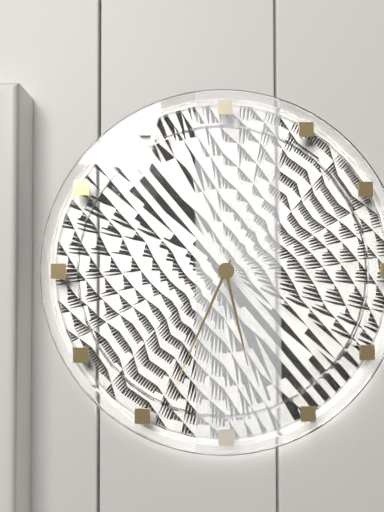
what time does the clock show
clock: 5:34
